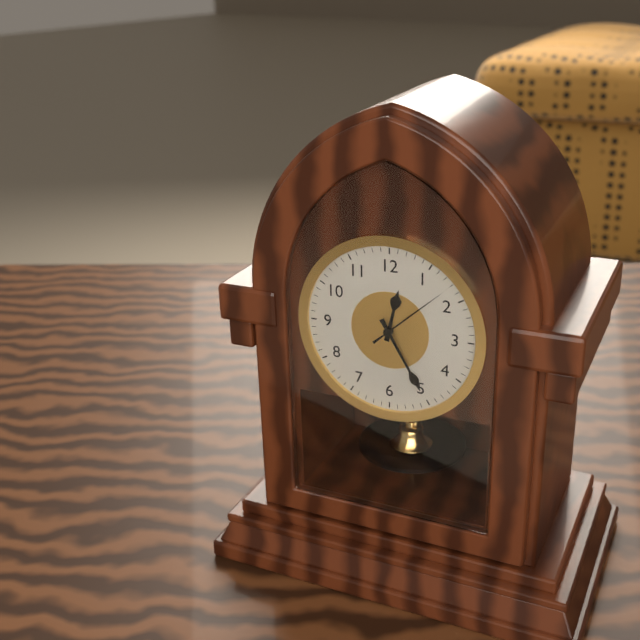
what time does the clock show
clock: 12:25:08
